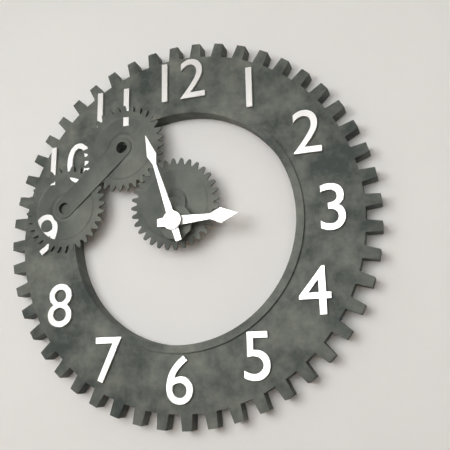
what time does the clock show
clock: 2:57
